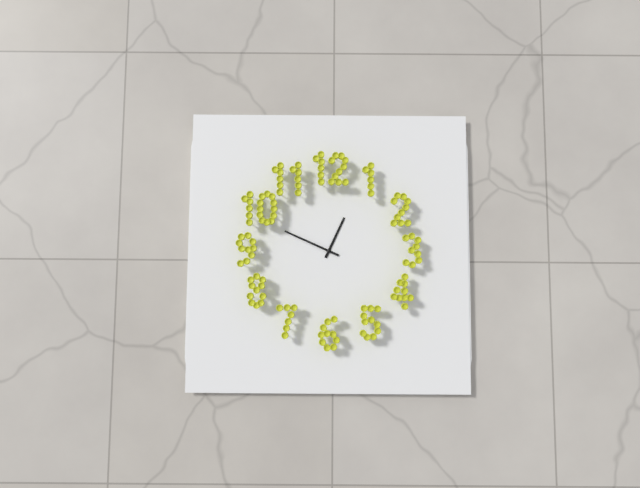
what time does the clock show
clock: 12:49
